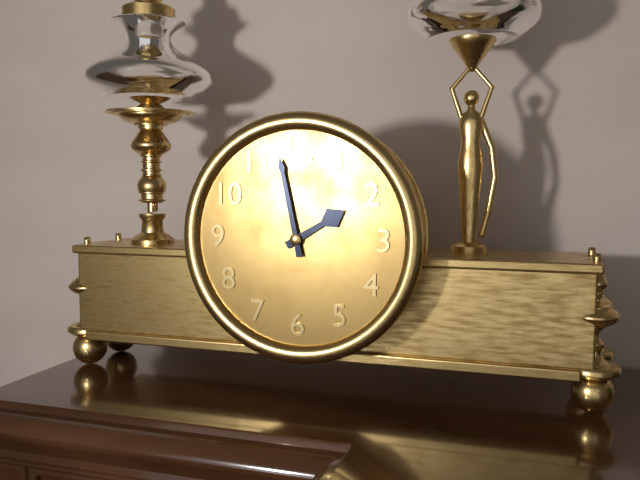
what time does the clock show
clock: 1:58
